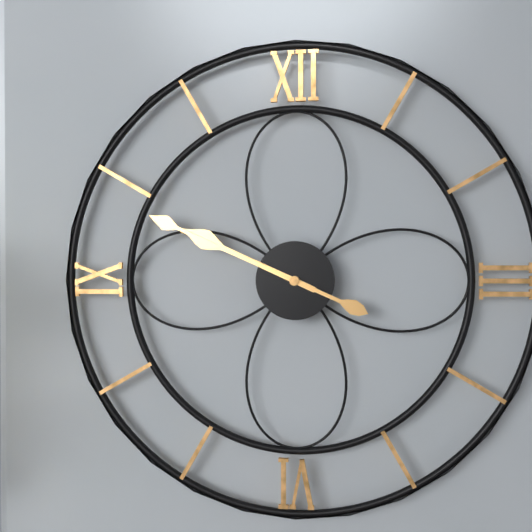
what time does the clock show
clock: 9:49
